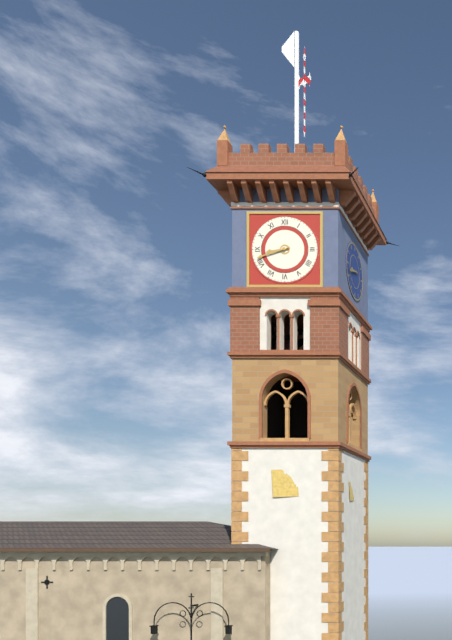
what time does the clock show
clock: 8:42
